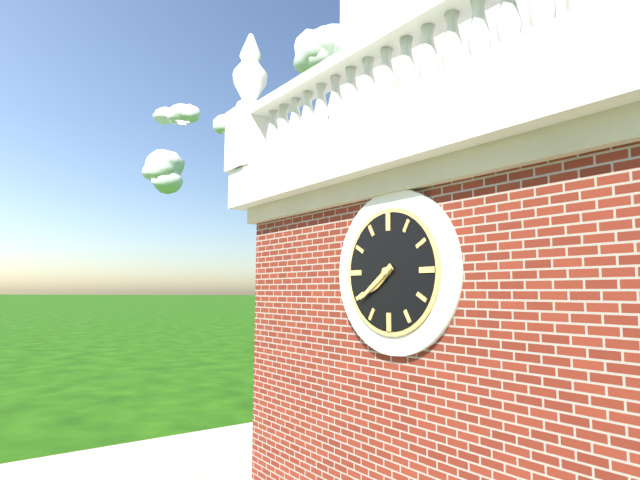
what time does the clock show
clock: 7:39
